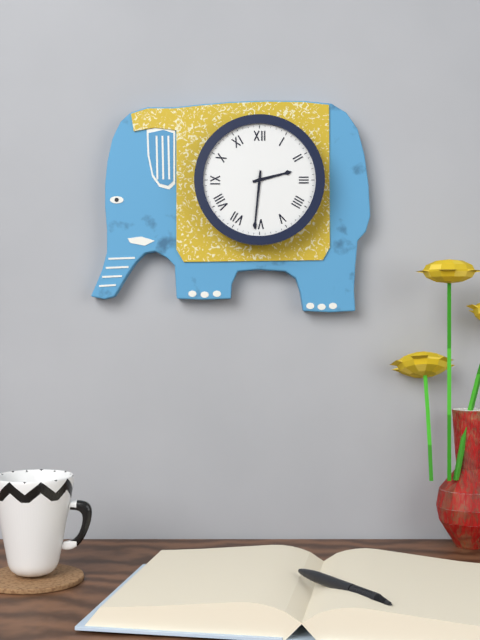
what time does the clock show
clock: 2:31
